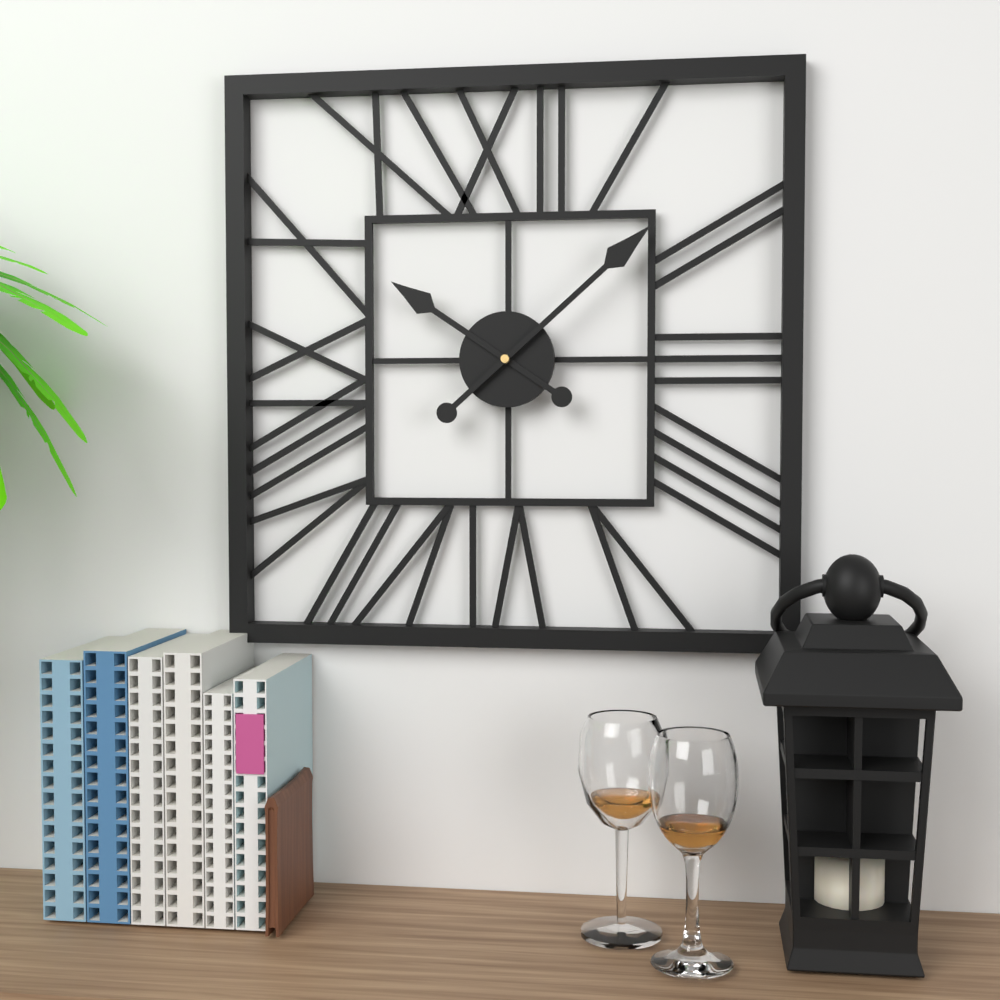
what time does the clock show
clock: 10:08
